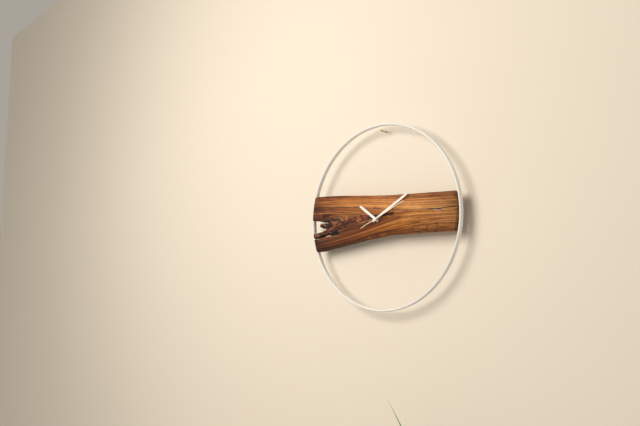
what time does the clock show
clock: 10:10
